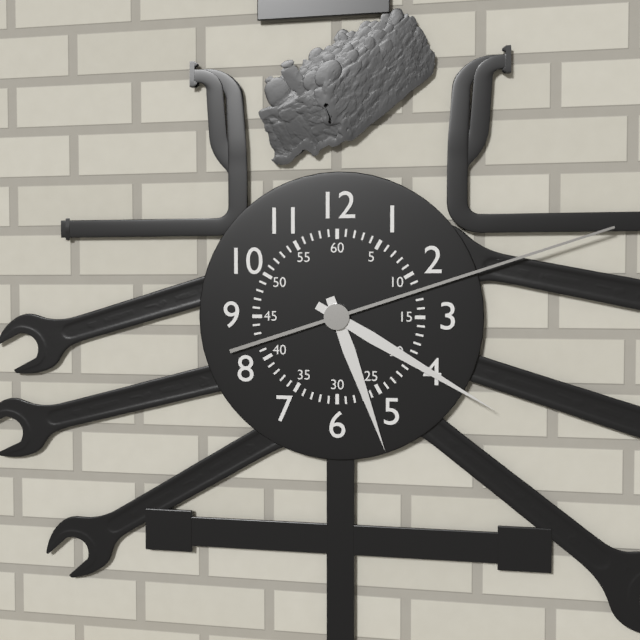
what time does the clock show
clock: 5:20:12
